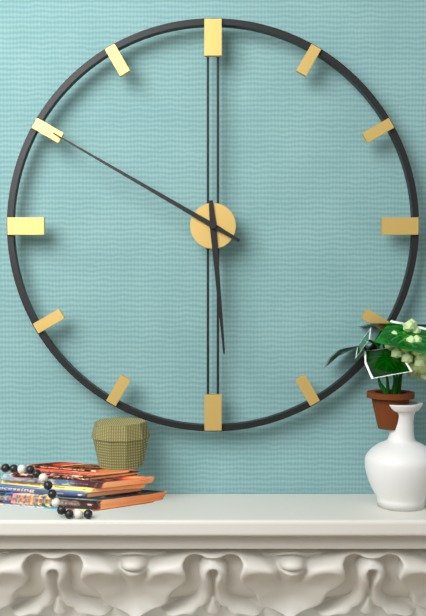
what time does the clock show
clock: 5:50
